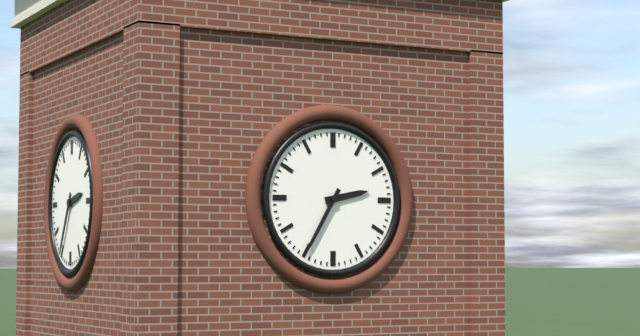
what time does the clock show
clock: 2:35
